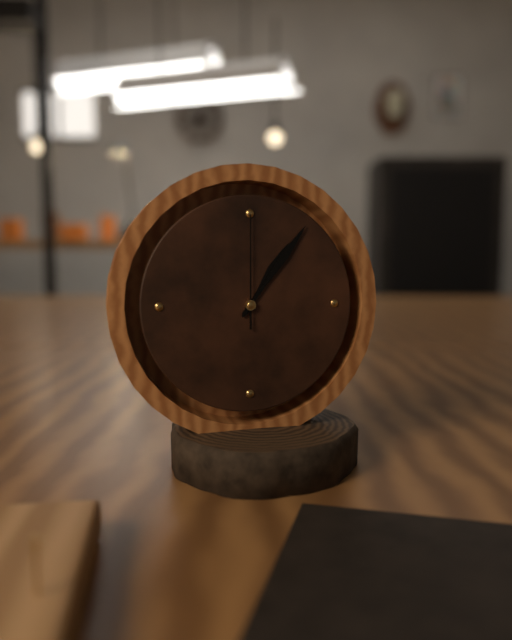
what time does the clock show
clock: 1:06:00
